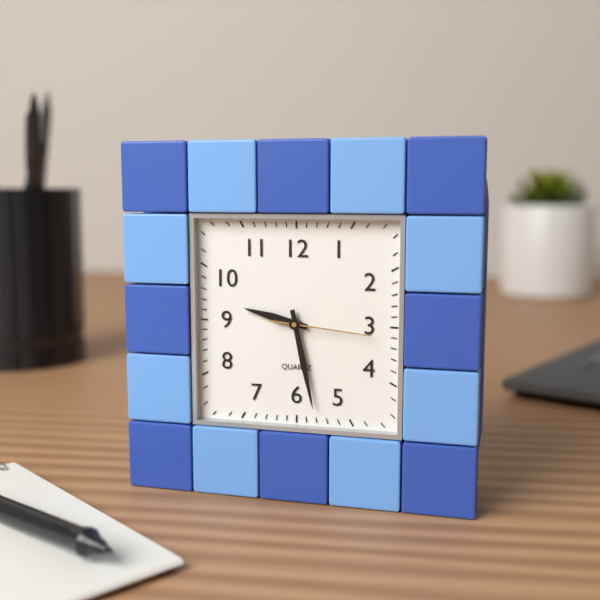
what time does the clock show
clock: 9:28:16
